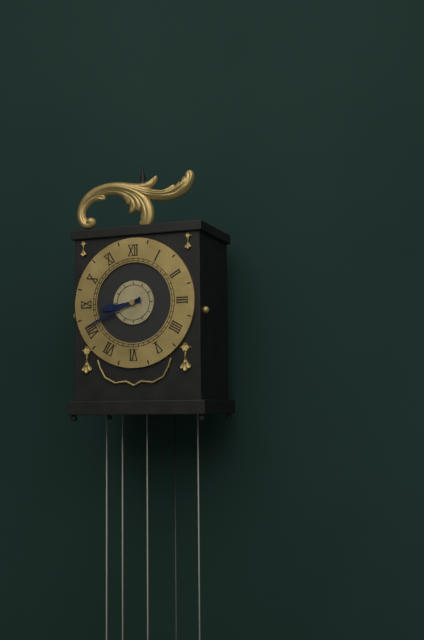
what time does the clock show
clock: 8:41
